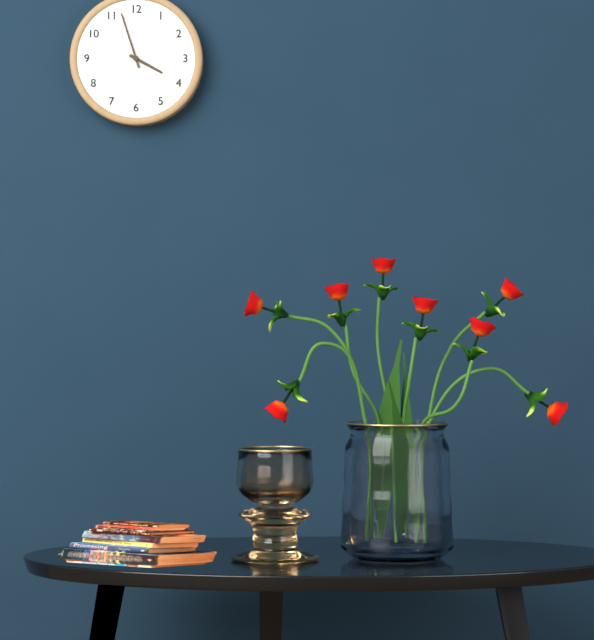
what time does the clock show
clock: 3:57
